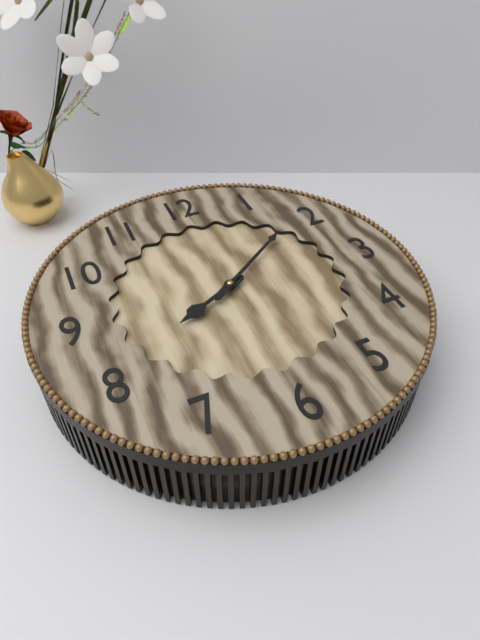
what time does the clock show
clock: 8:09
